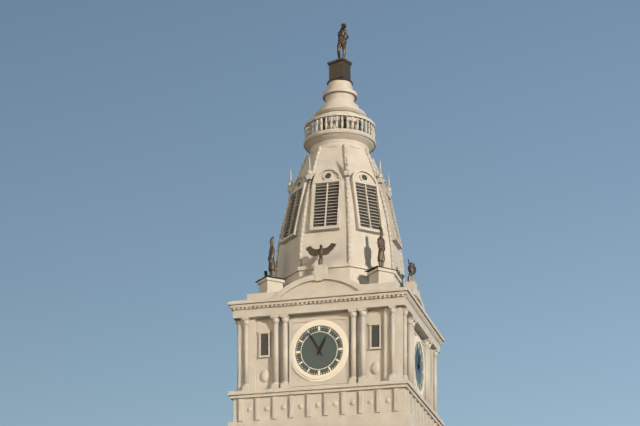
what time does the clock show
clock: 12:55
